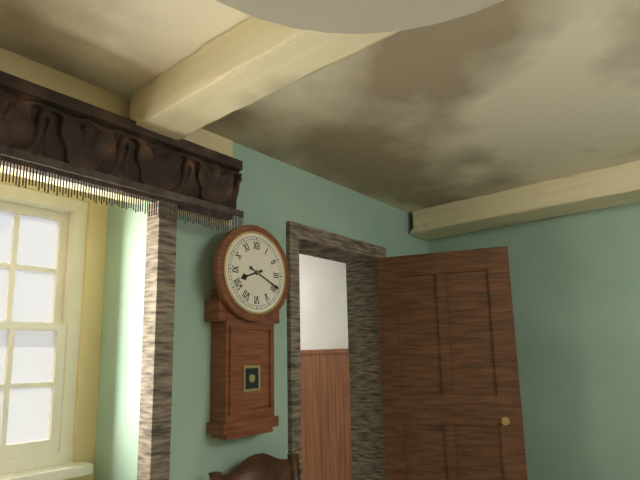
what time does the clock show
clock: 8:19
